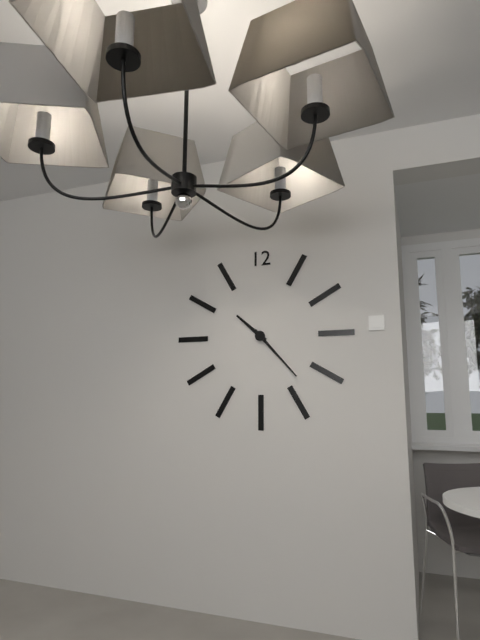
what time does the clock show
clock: 10:23
